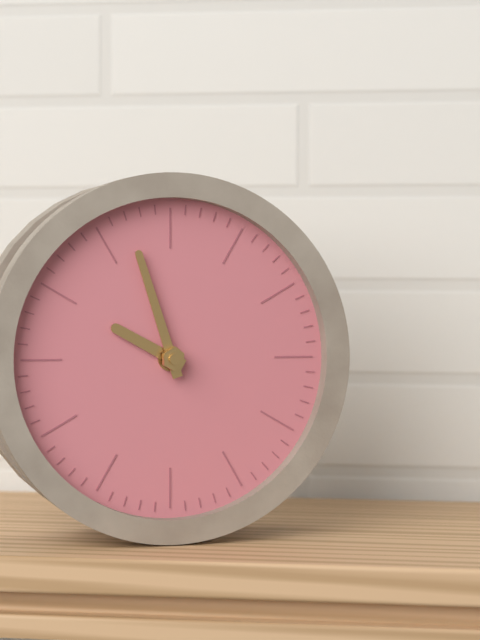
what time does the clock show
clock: 9:57
